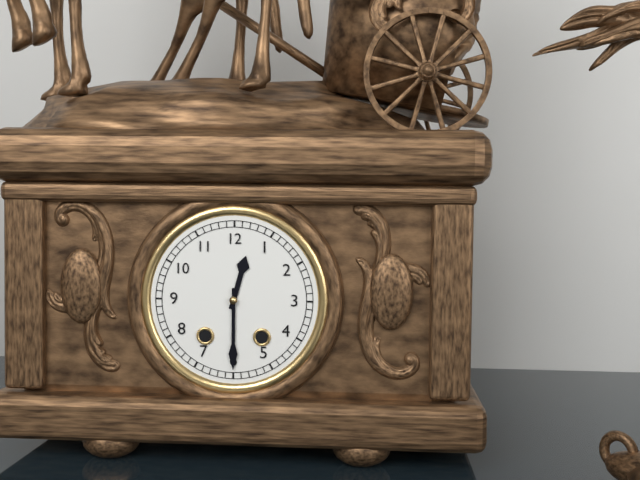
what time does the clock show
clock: 12:30
